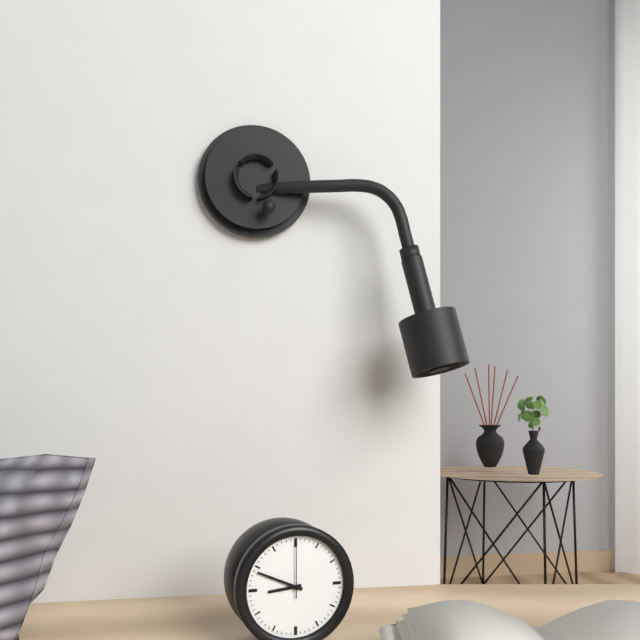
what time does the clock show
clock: 8:49:00
